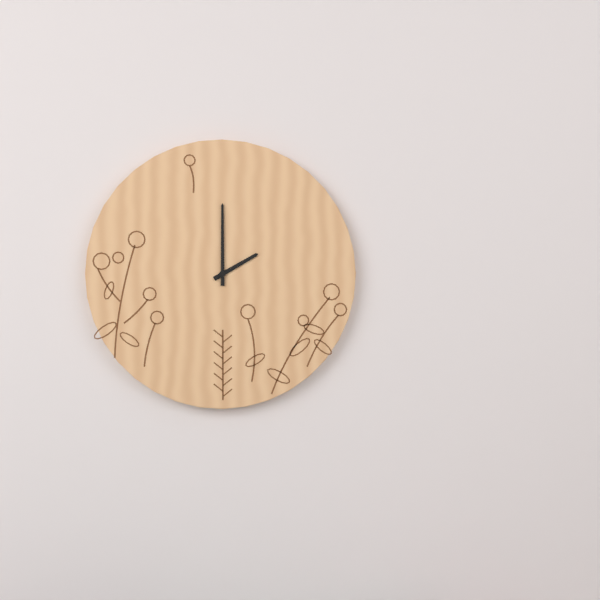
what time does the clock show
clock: 2:00
